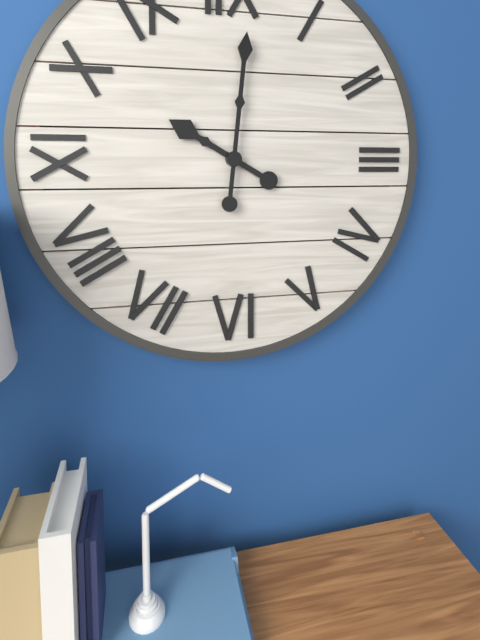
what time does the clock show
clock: 10:01
